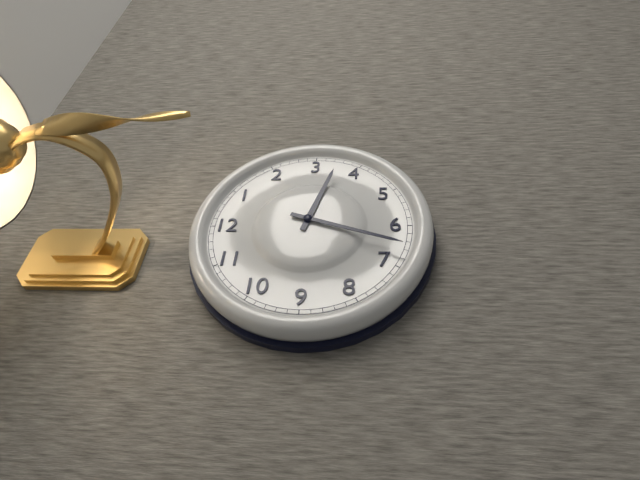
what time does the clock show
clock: 3:33
